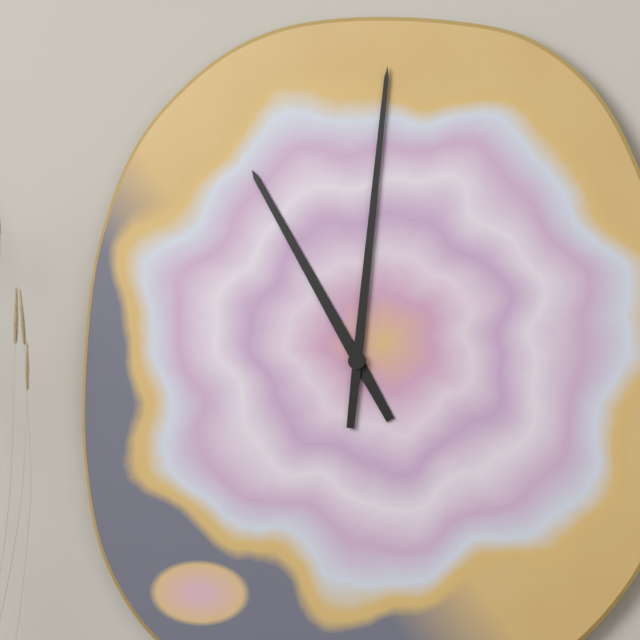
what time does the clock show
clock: 11:01
